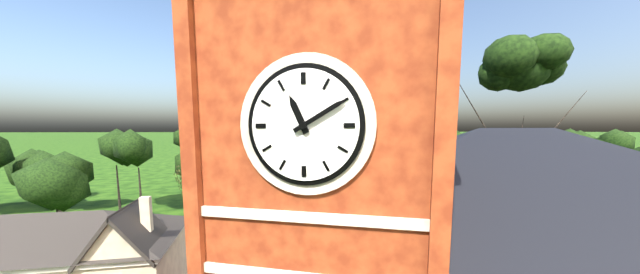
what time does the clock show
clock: 11:10
